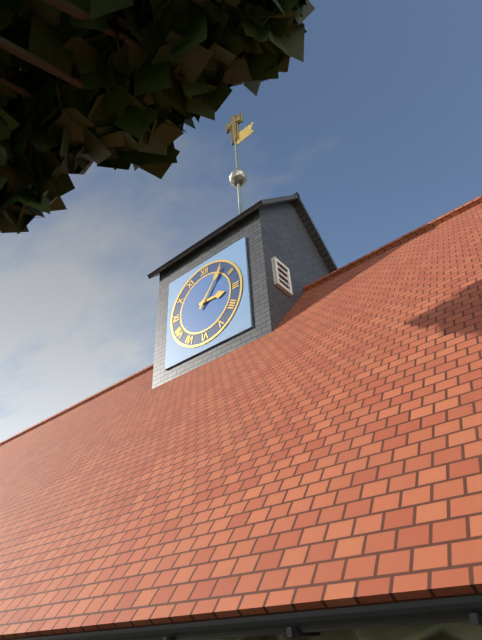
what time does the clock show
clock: 3:06
